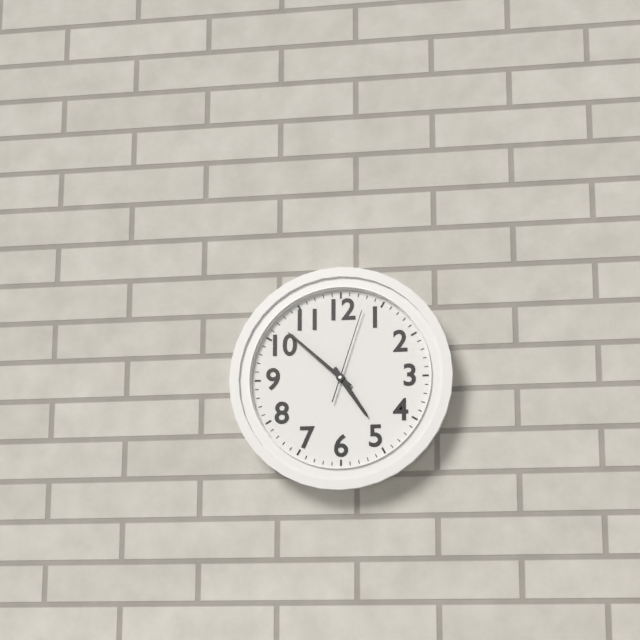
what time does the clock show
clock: 4:52:03
